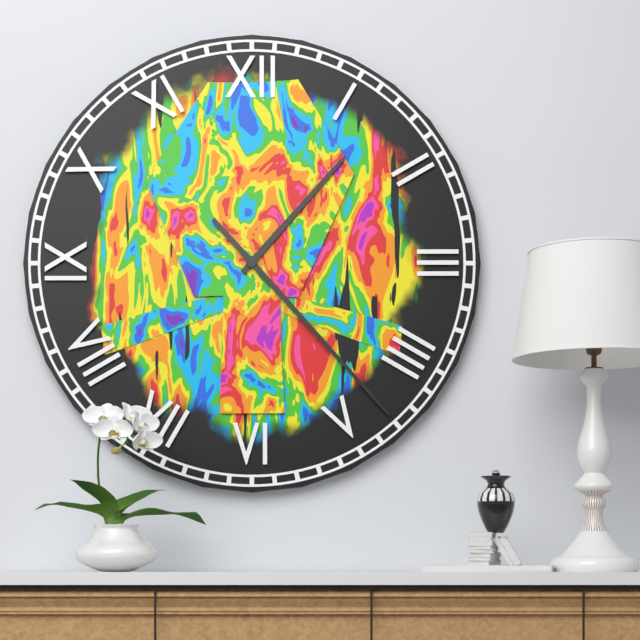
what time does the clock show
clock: 1:23
